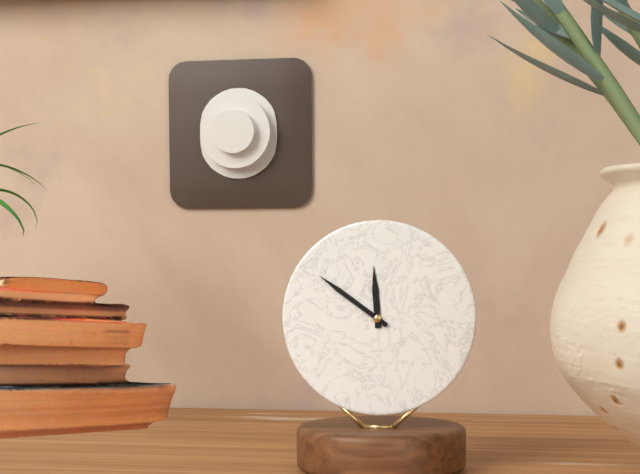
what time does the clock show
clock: 11:51
